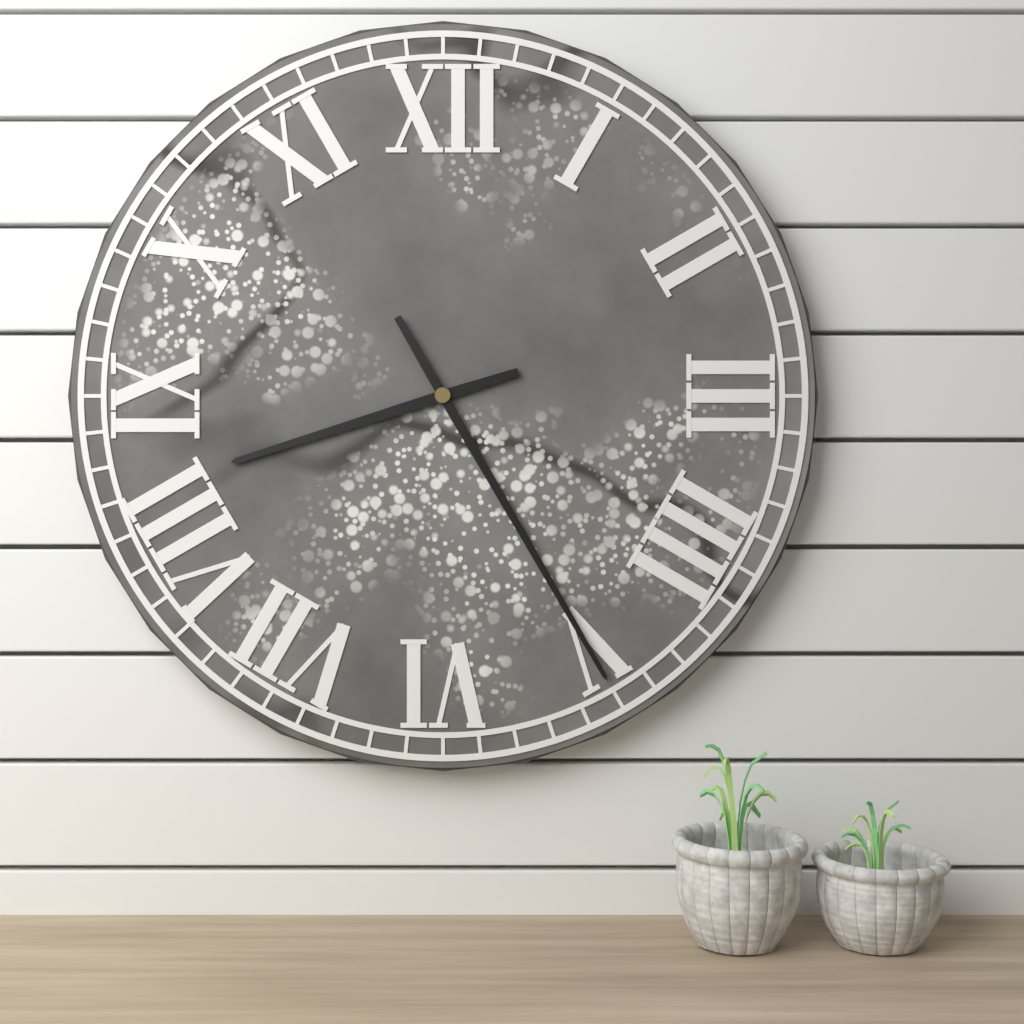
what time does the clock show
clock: 8:25
